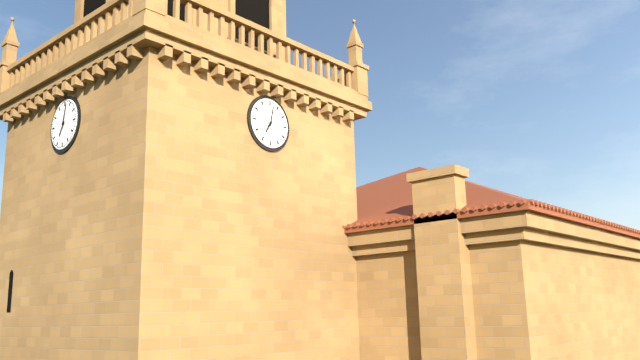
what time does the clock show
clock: 7:02
